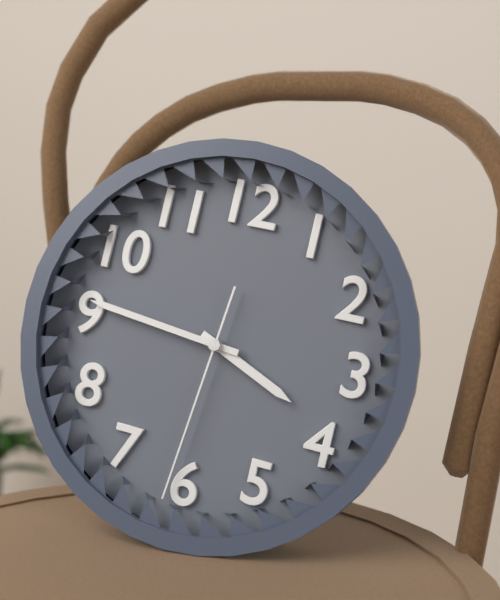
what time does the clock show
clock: 3:46:31
